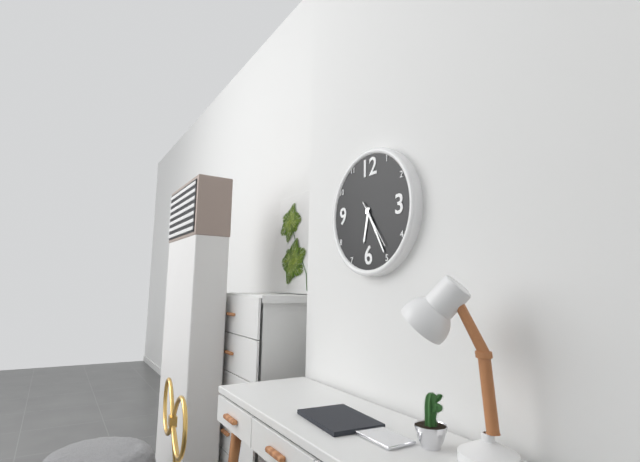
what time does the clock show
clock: 6:25
